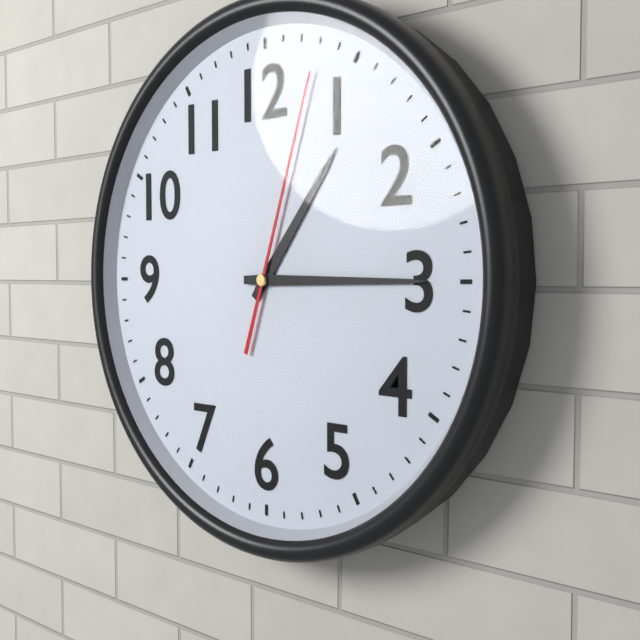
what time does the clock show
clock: 1:15:03
